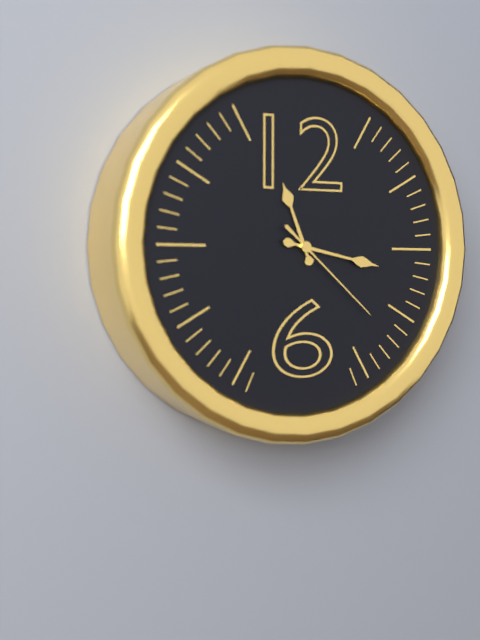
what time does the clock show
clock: 11:17:22
